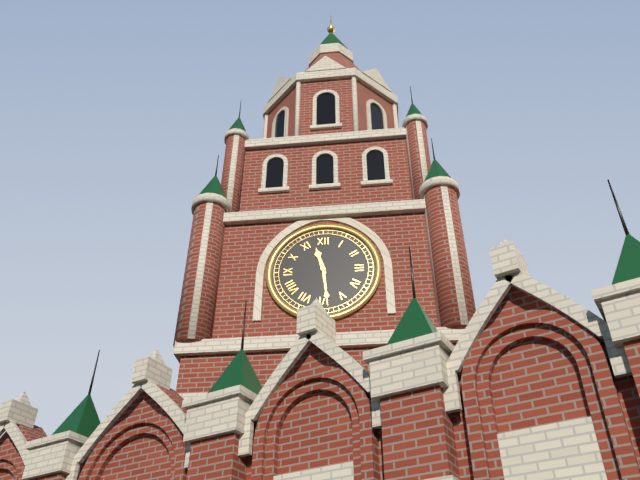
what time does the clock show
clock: 11:29
